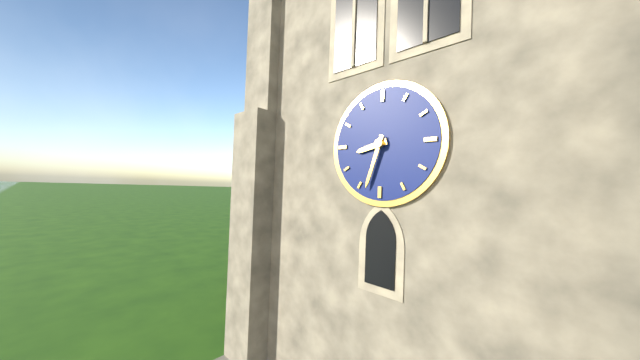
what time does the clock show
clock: 8:33
